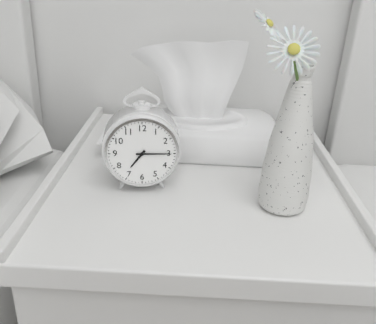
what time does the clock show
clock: 7:15
